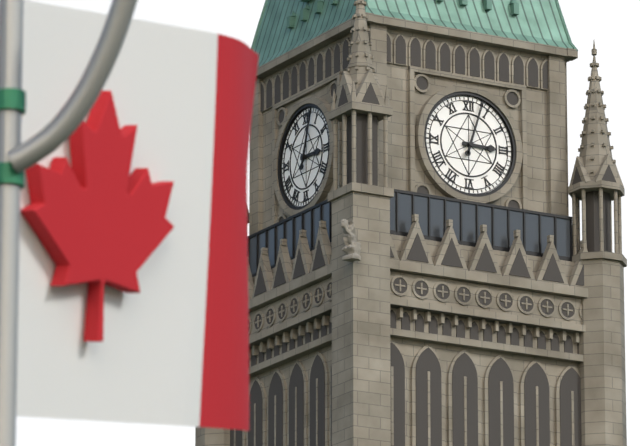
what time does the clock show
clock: 3:03
